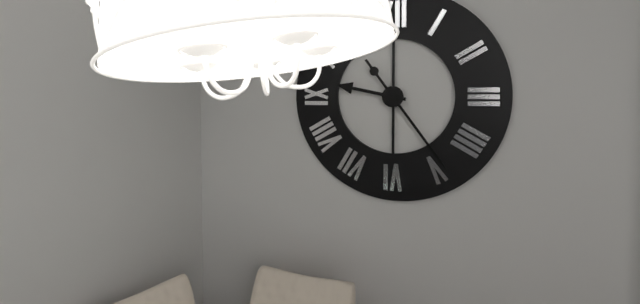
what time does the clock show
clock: 9:24
